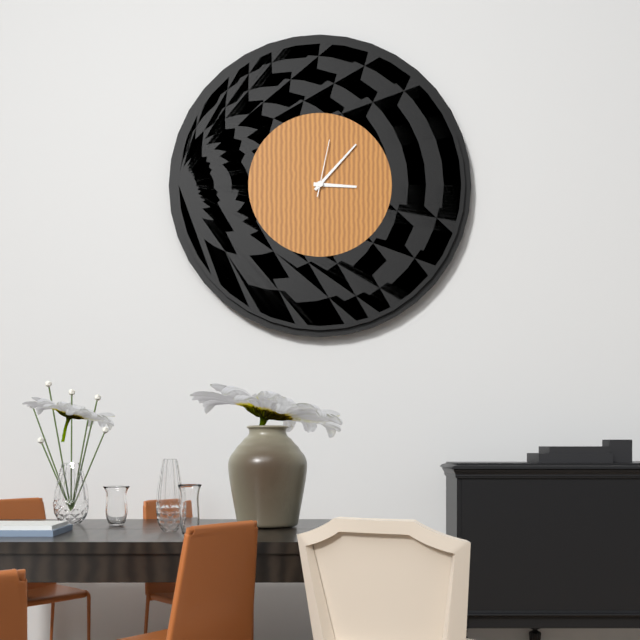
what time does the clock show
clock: 3:07:02
